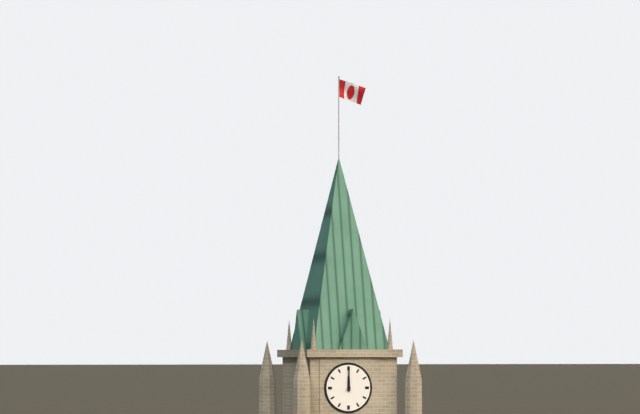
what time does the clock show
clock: 12:00
